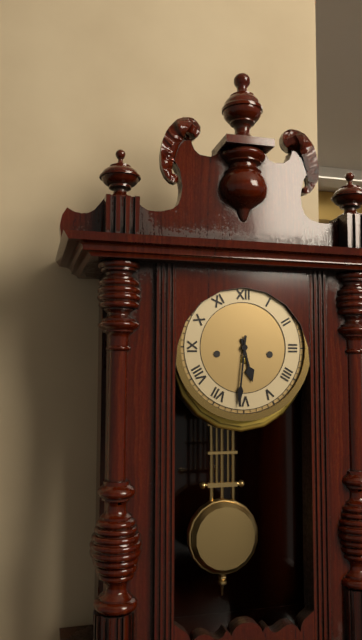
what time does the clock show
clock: 5:31
